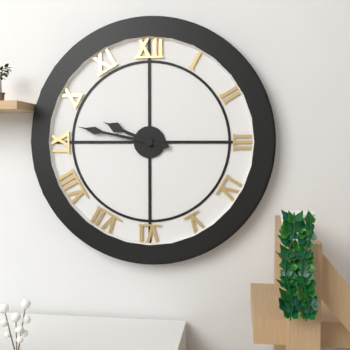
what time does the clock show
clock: 9:47
